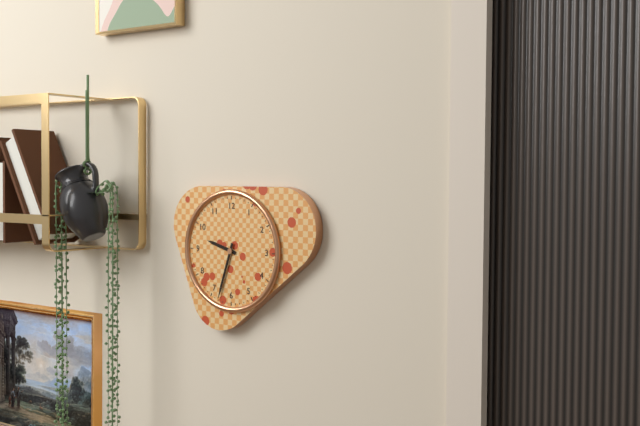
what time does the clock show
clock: 9:33
